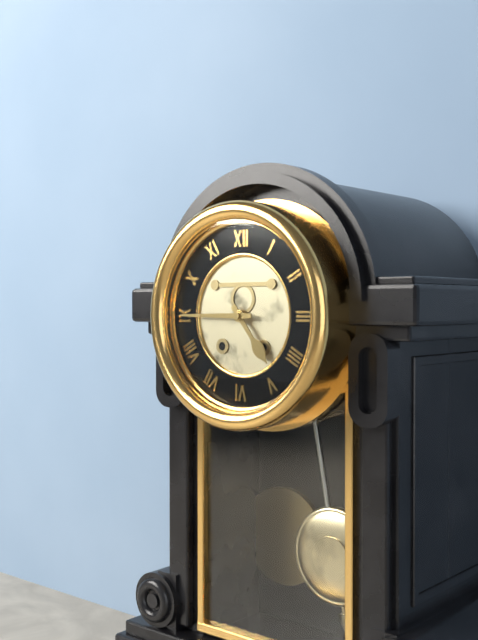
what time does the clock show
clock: 4:45
